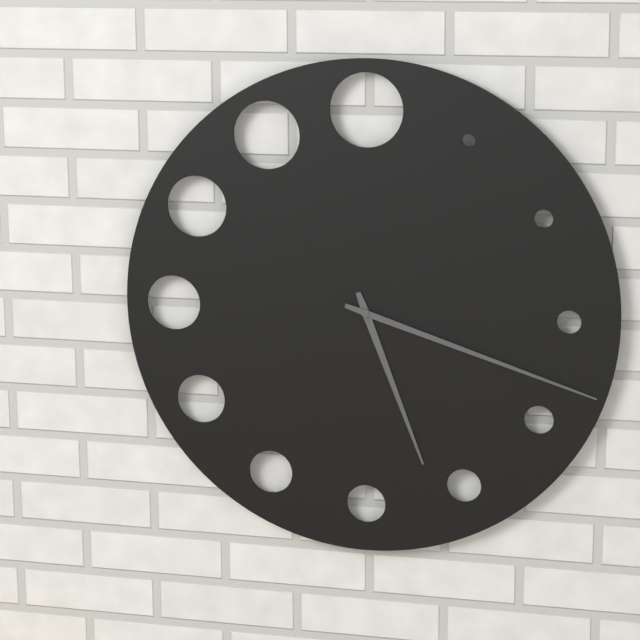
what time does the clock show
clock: 5:18
